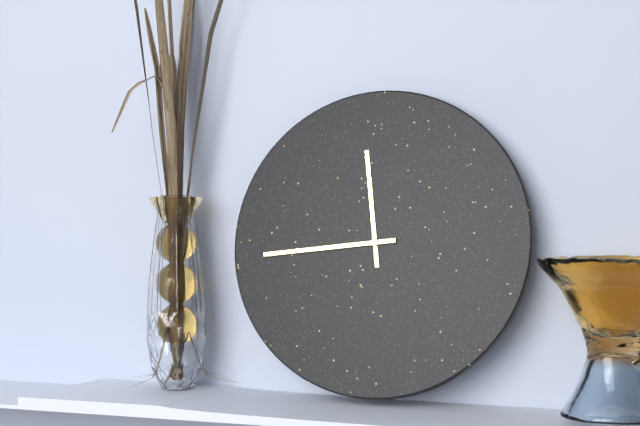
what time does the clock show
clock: 11:44
